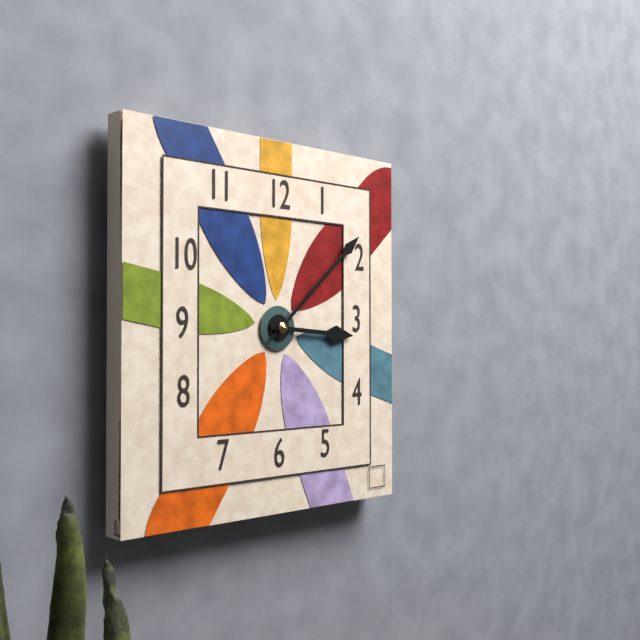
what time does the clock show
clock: 3:08
